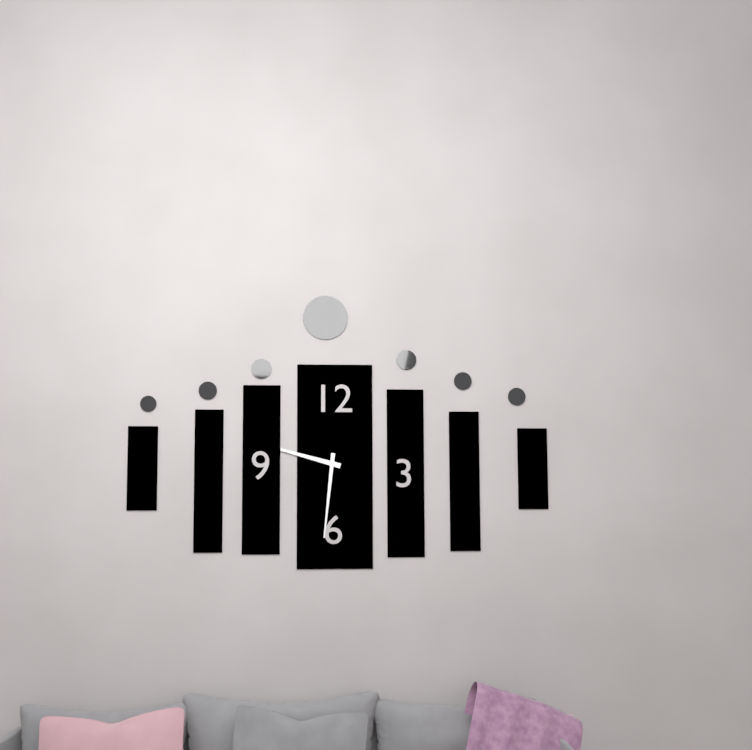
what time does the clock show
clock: 9:31
